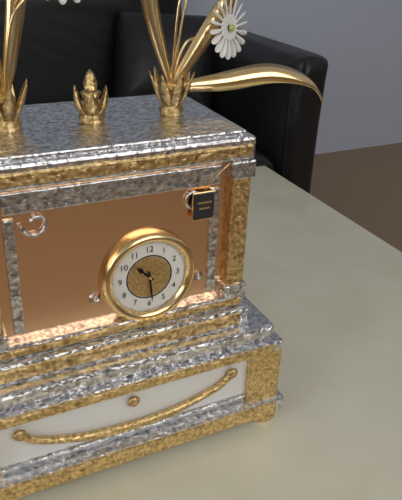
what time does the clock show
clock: 10:29
